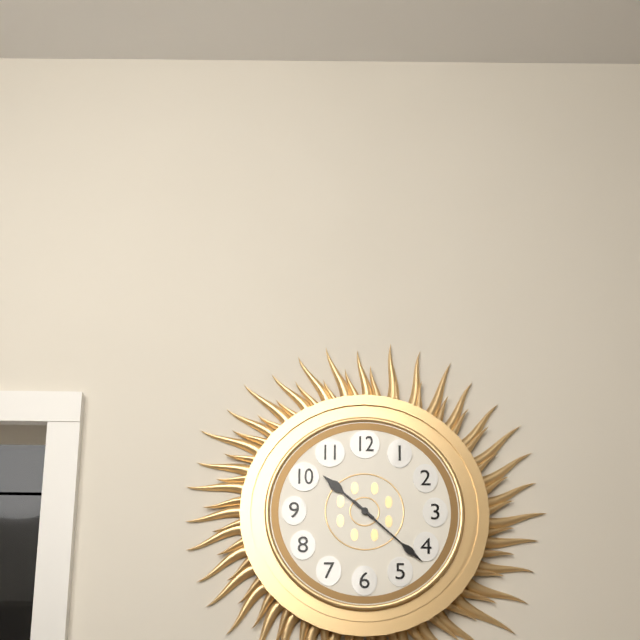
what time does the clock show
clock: 10:22
